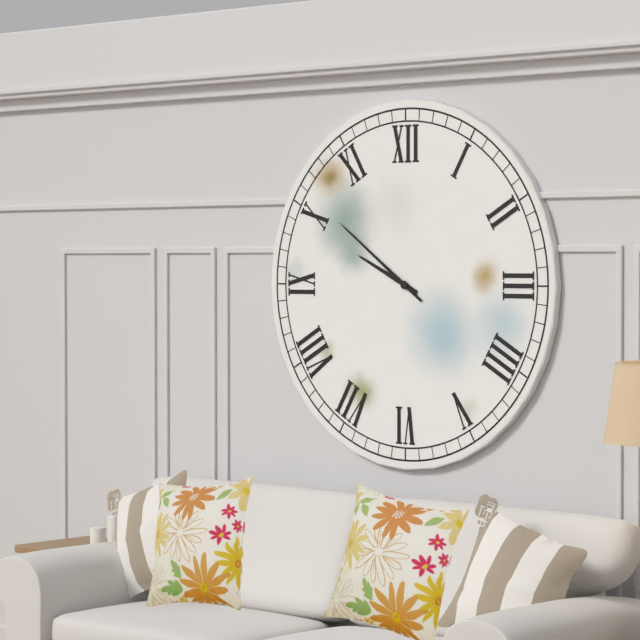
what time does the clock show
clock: 9:51
